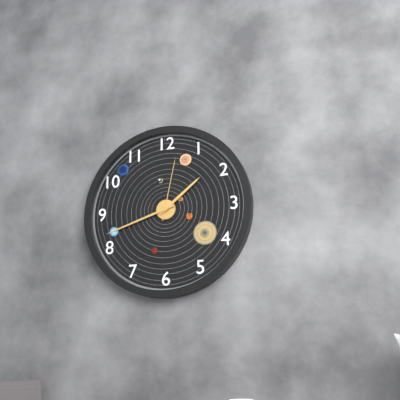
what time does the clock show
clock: 1:42:02
